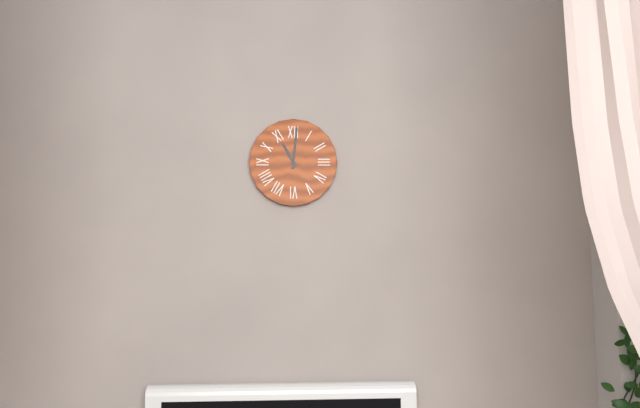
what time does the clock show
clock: 11:01
